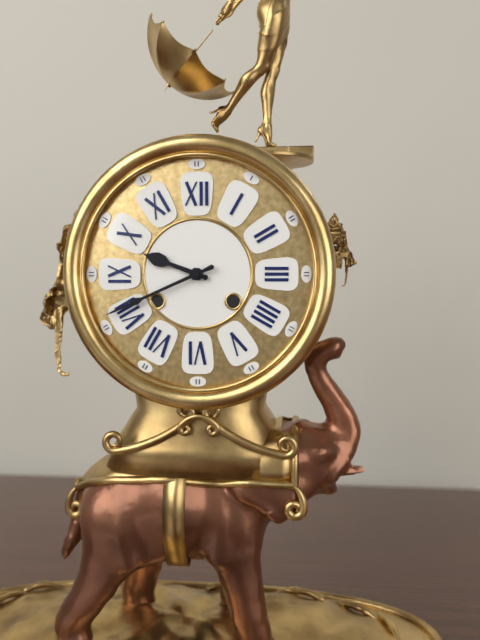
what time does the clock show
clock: 9:41
